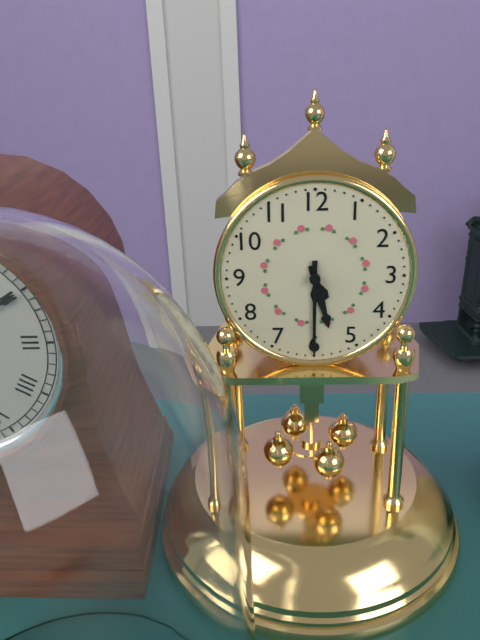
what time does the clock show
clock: 5:30
